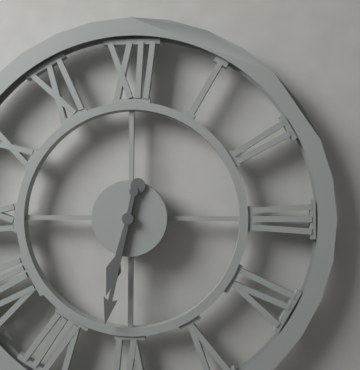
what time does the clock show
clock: 6:32
